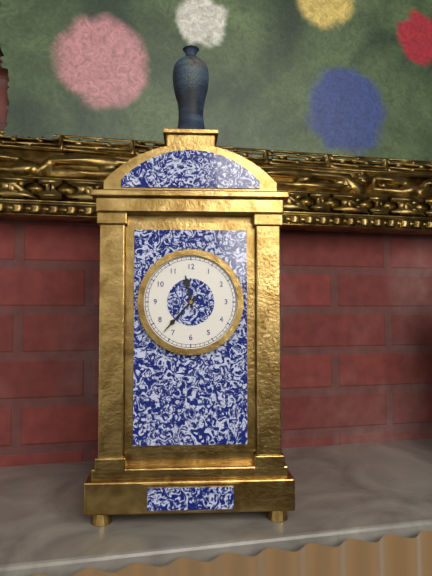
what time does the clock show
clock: 11:37
